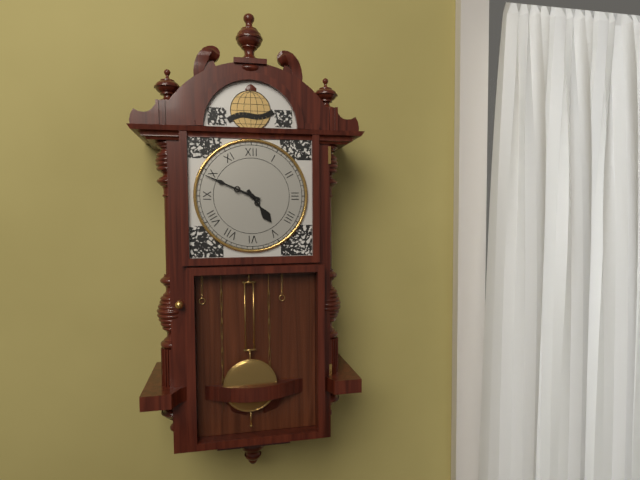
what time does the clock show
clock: 4:49
